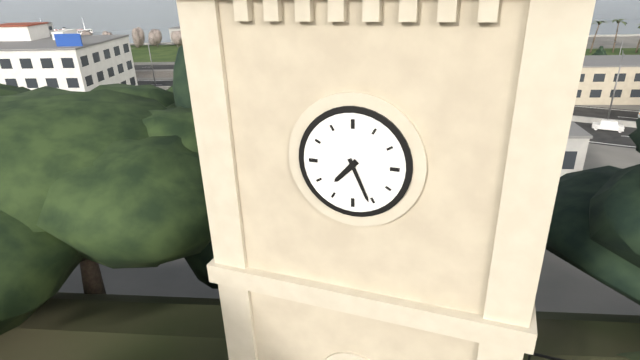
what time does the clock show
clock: 7:26
